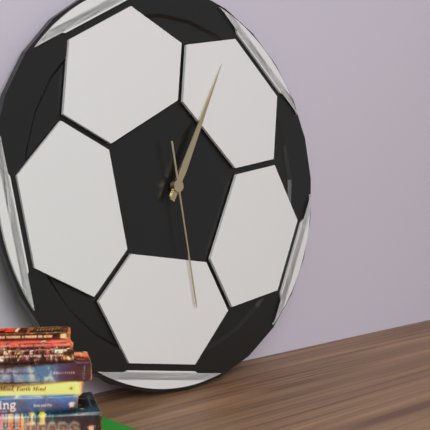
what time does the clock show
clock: 1:05:29
